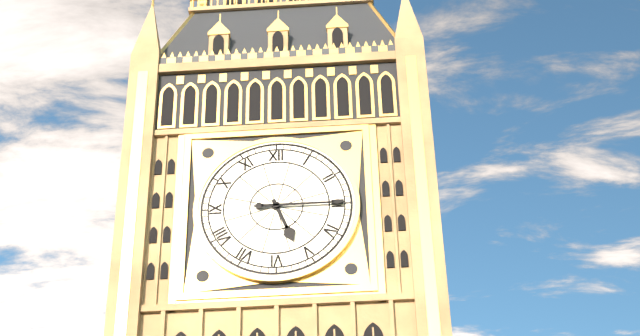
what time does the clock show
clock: 5:15
